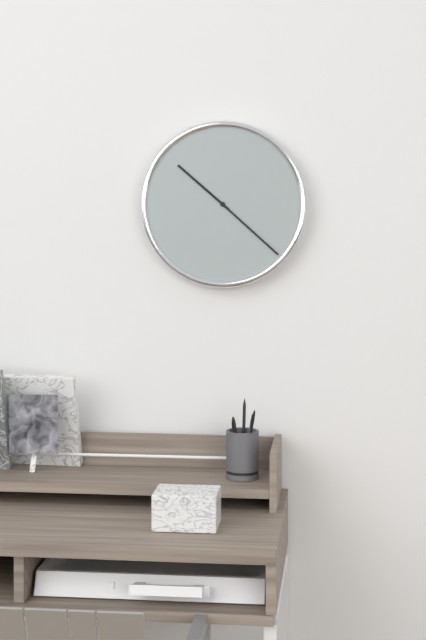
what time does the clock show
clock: 10:22
